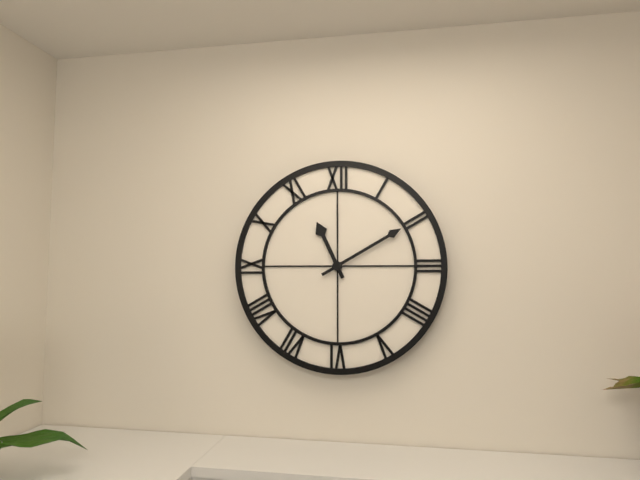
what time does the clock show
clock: 11:10
